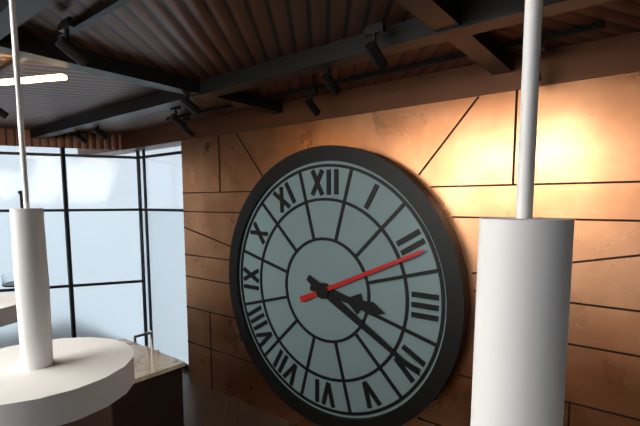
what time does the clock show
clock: 3:20:11
